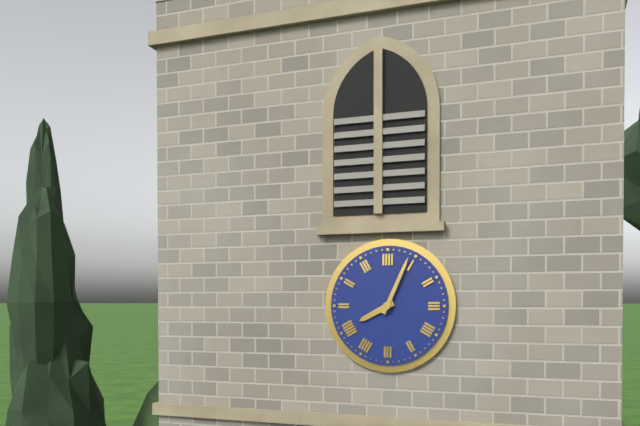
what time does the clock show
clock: 8:04
